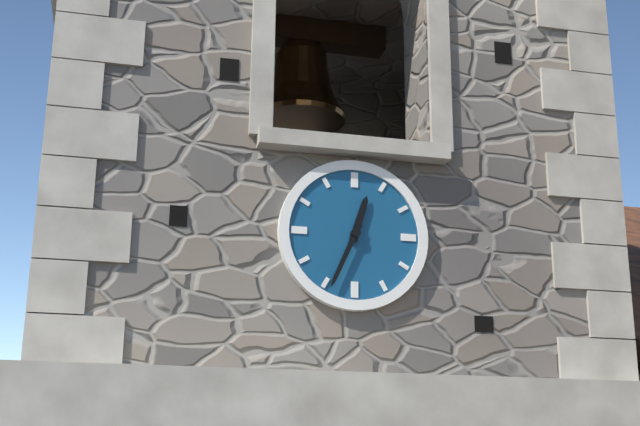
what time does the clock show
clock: 12:34
